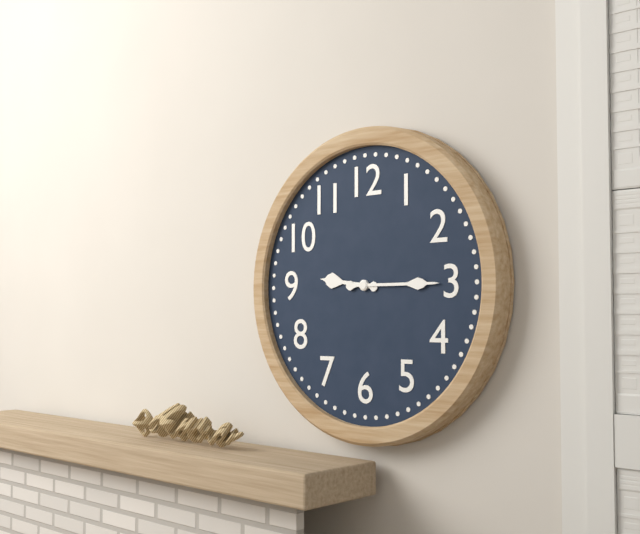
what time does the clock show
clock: 9:15
